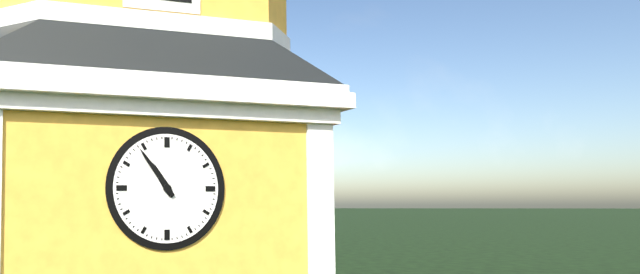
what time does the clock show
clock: 10:54
